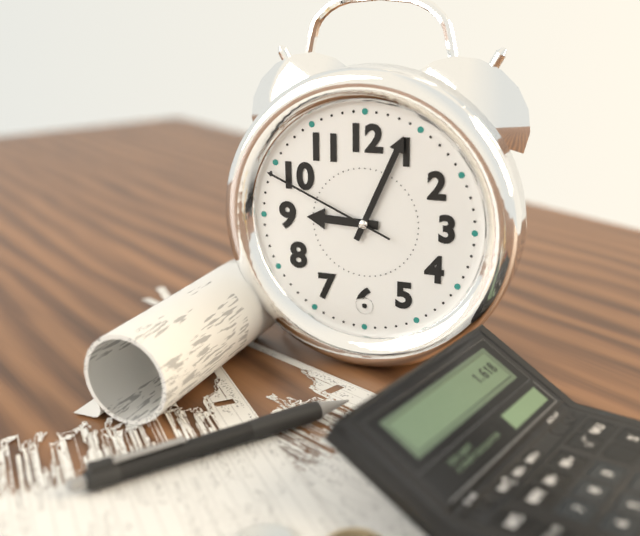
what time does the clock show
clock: 9:04:49
